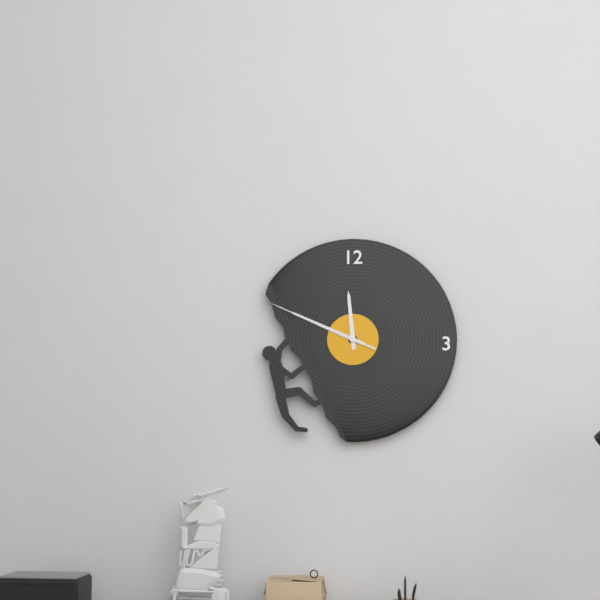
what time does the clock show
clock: 11:49:49
